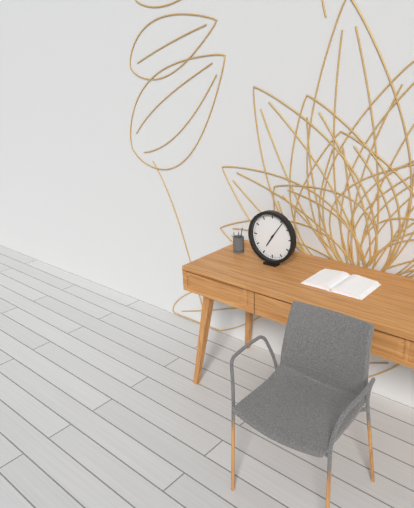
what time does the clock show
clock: 7:06
